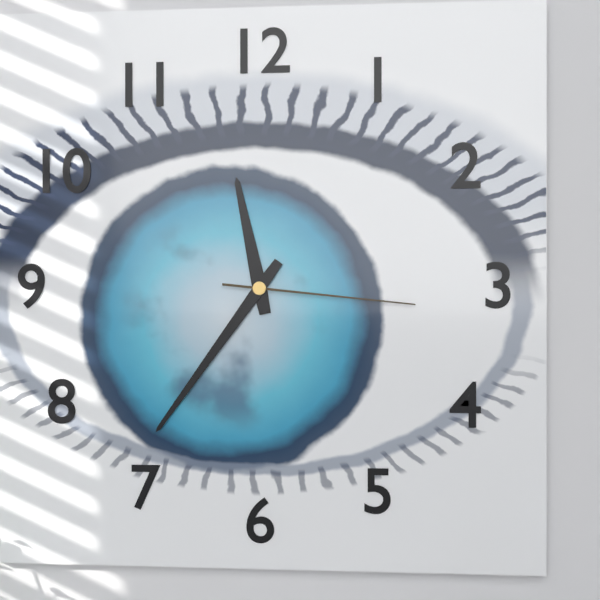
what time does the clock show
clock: 11:36:16
